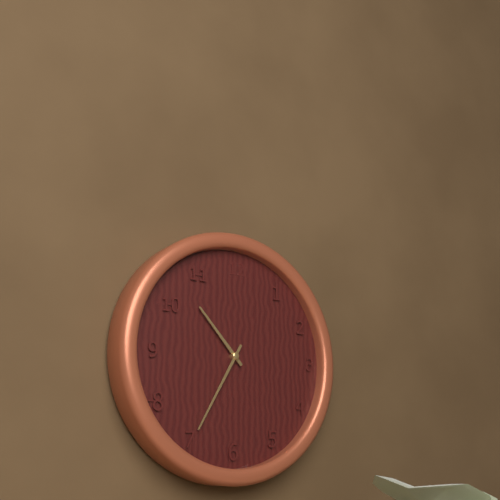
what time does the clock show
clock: 10:35
